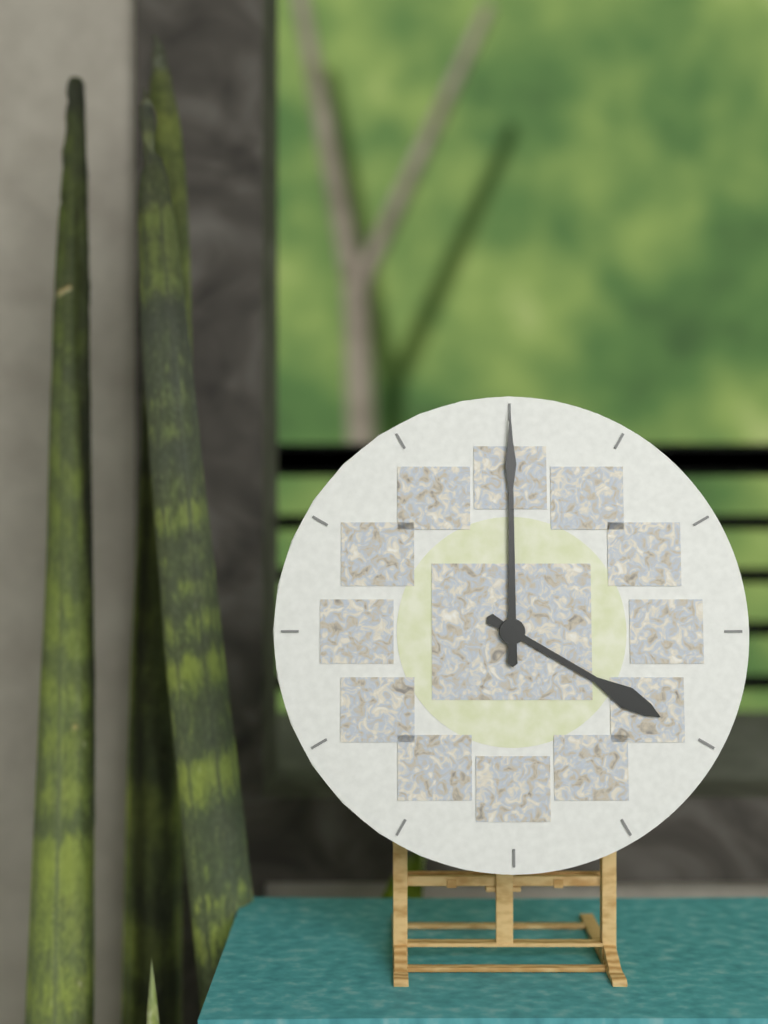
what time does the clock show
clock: 4:00
